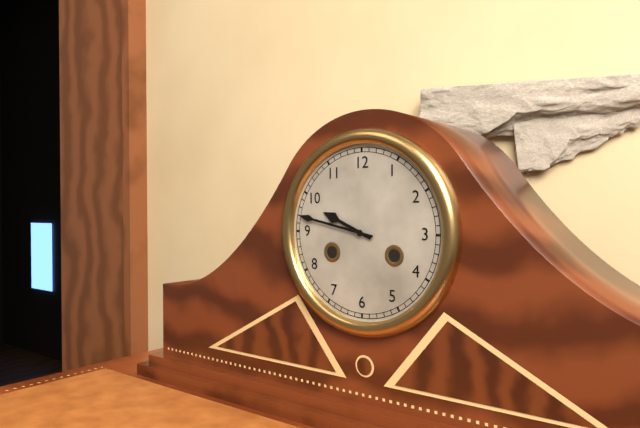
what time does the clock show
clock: 9:47
